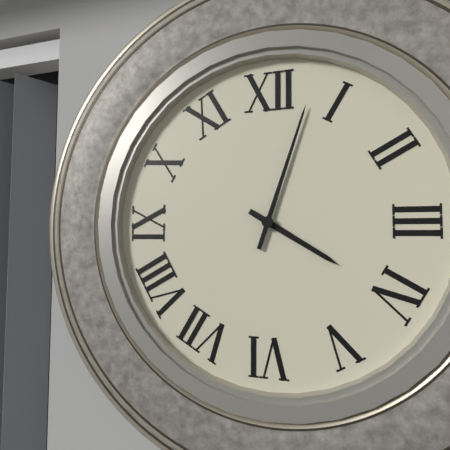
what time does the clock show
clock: 4:03
